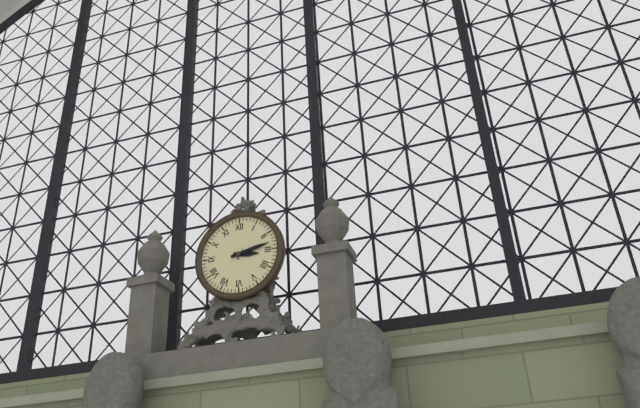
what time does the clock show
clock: 3:13
